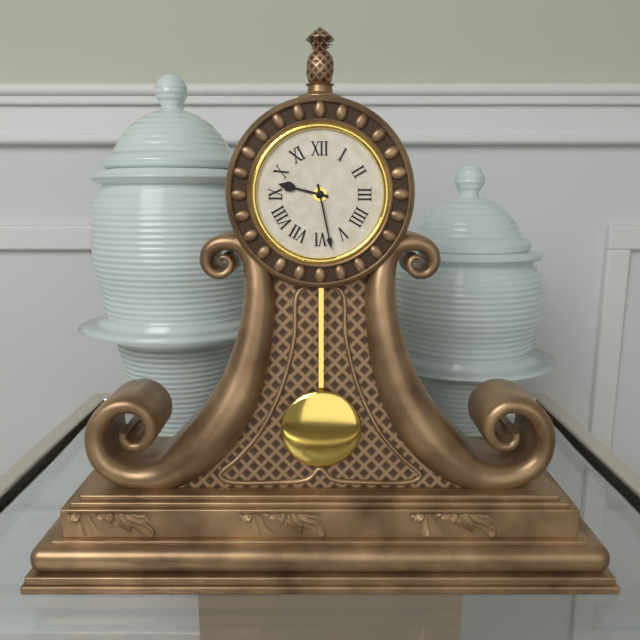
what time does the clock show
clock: 9:28
